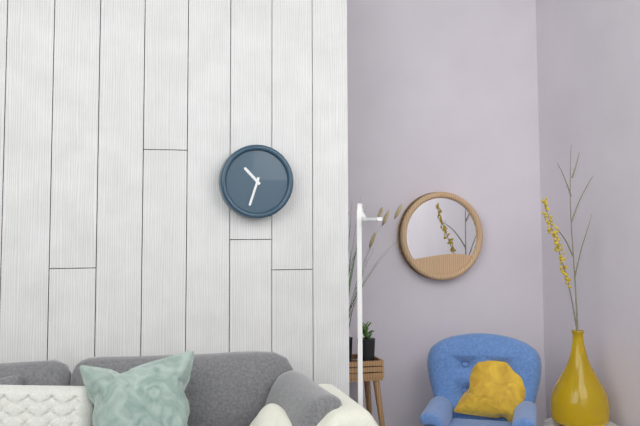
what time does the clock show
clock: 10:33
